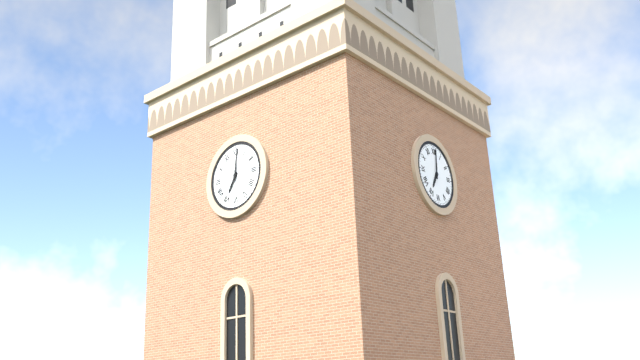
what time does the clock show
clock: 7:01
